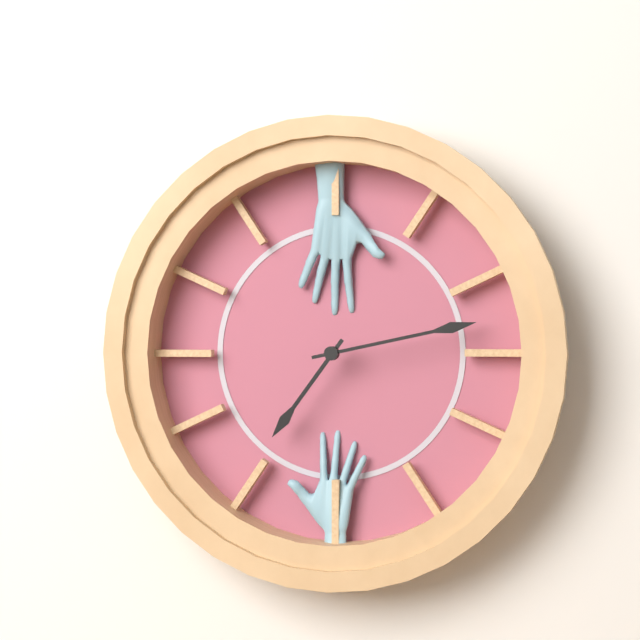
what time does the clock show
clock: 7:13
